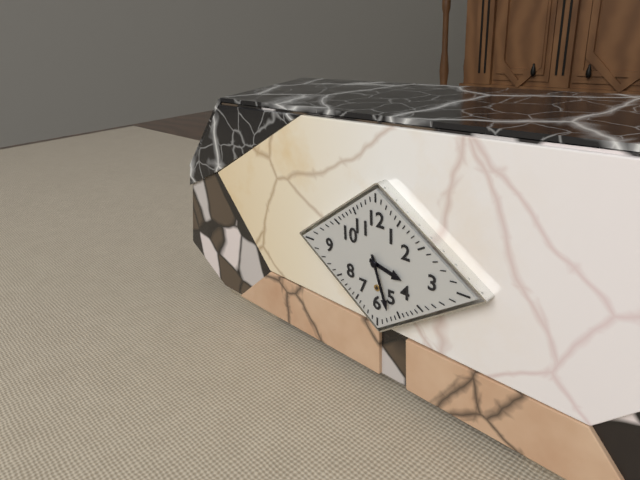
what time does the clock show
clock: 3:27
